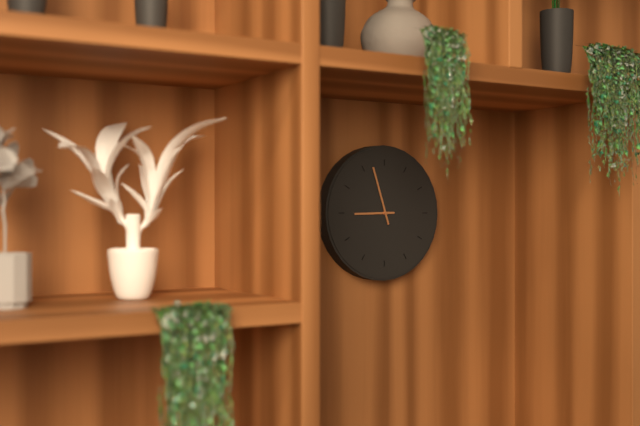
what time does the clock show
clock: 8:57
